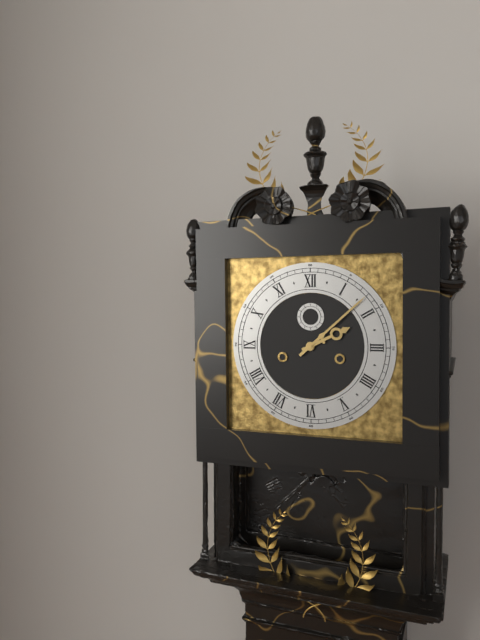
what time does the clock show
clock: 2:08
